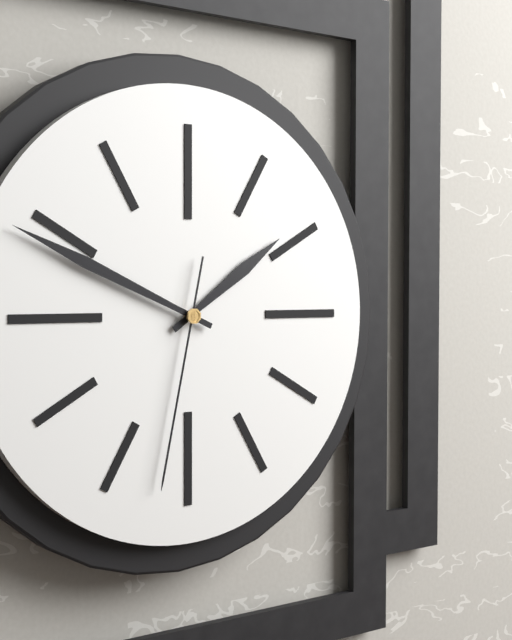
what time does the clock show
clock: 1:49:32
